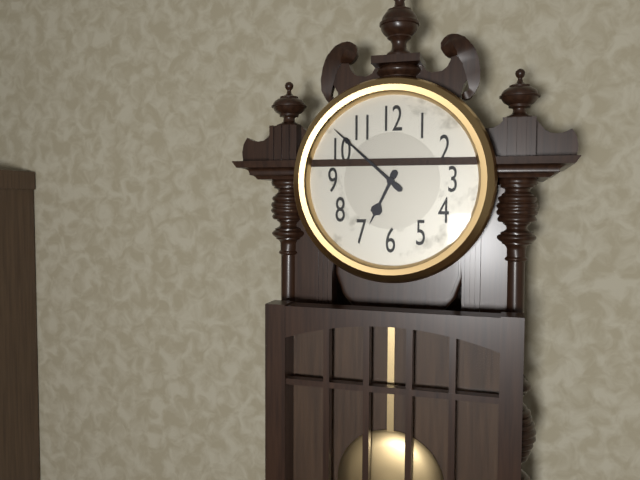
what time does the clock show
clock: 6:52
